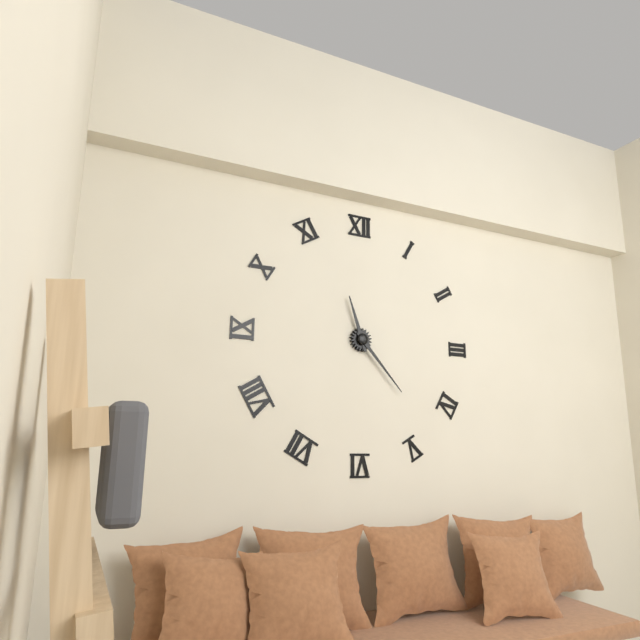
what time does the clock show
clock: 11:23
